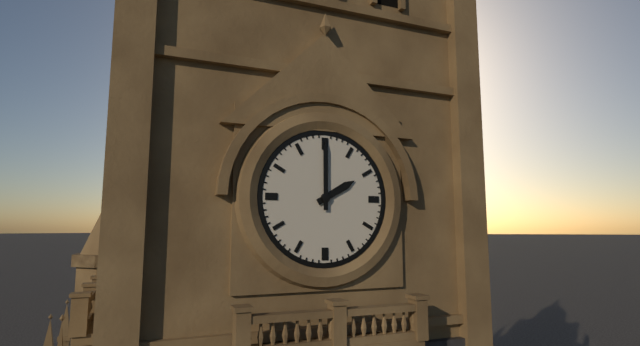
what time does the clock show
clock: 2:00
